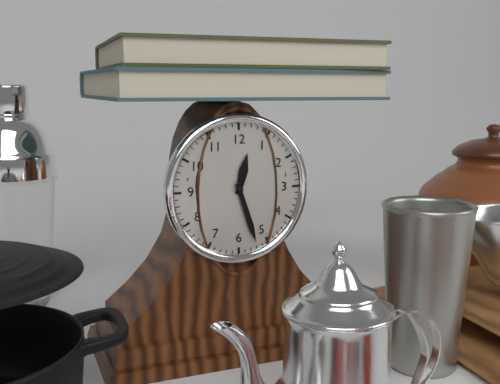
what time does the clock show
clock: 12:27
